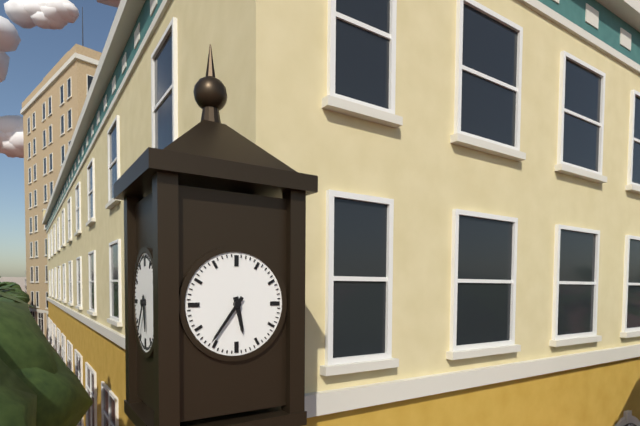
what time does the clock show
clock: 5:36
